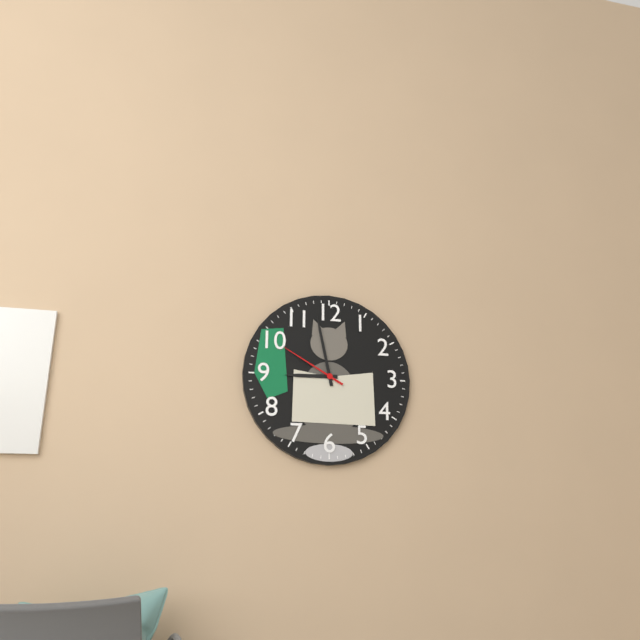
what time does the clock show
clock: 8:58:50
